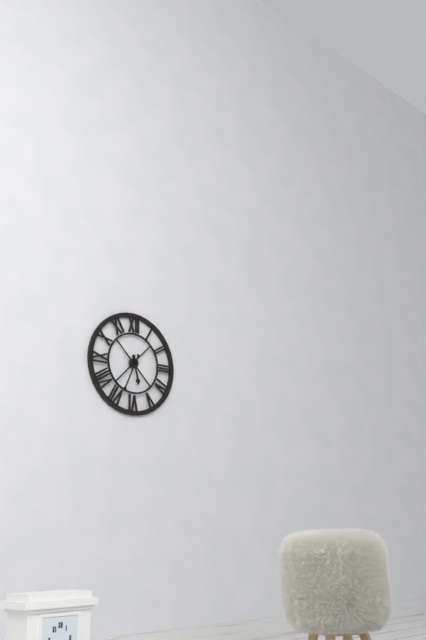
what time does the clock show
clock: 5:34
